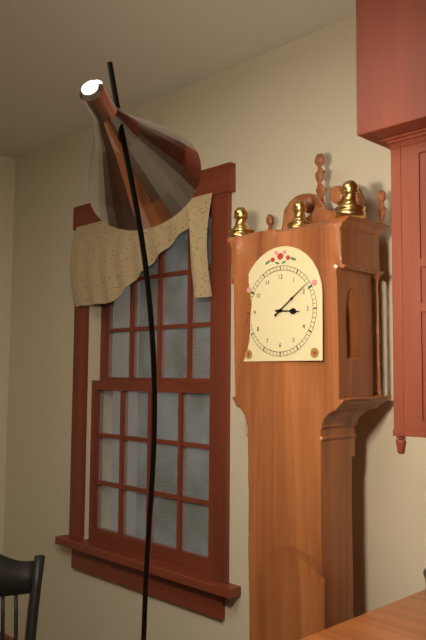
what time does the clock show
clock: 3:09
